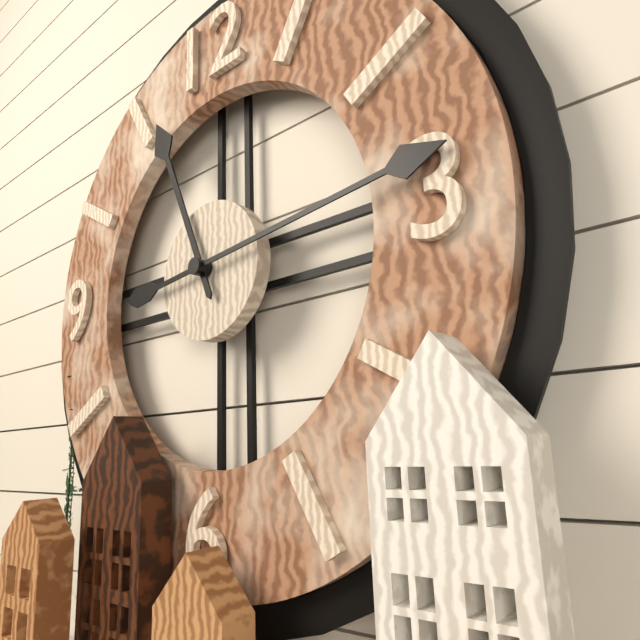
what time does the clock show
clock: 11:14
